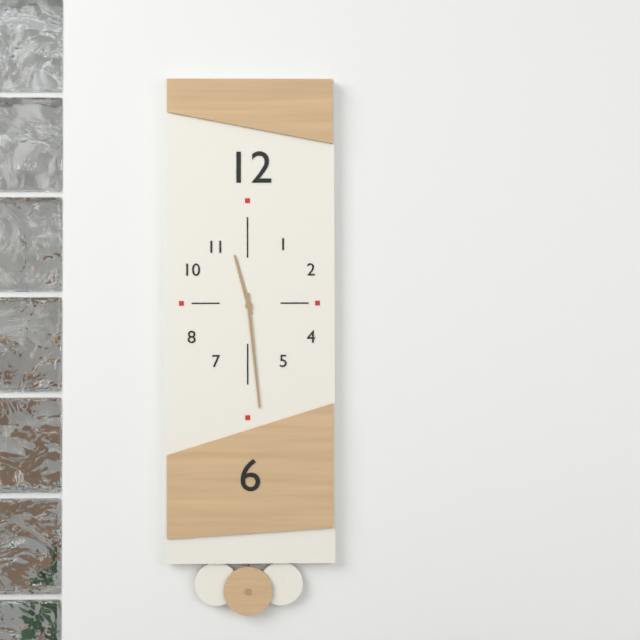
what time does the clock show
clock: 11:29
